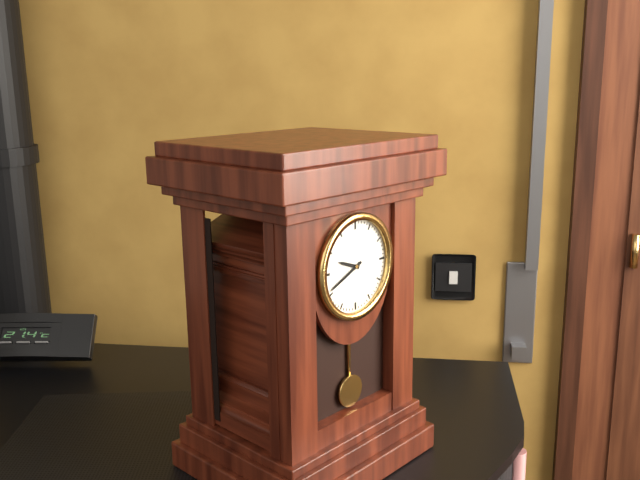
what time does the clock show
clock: 9:41
